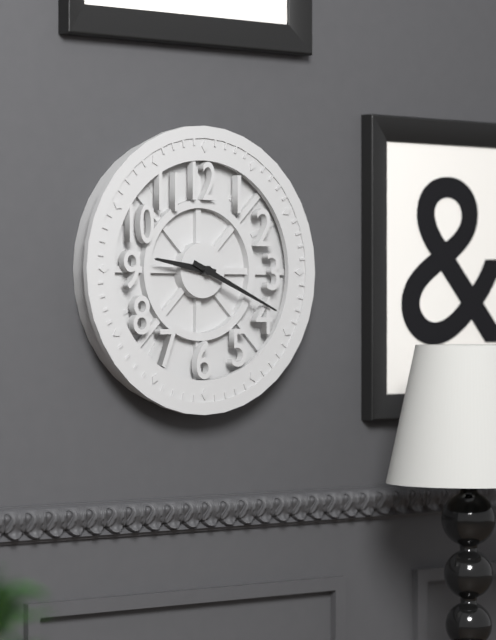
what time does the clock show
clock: 9:19
